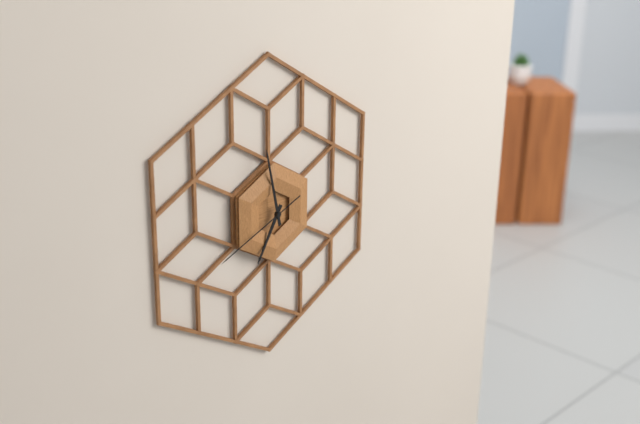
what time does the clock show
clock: 6:58:41
